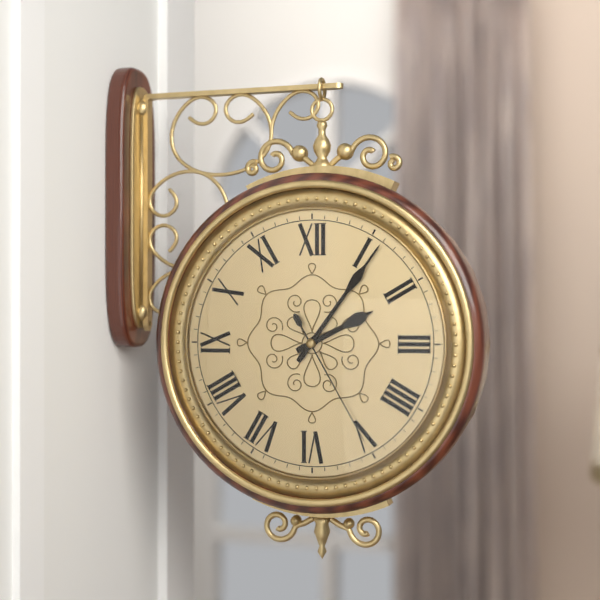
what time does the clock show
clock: 2:06:25
